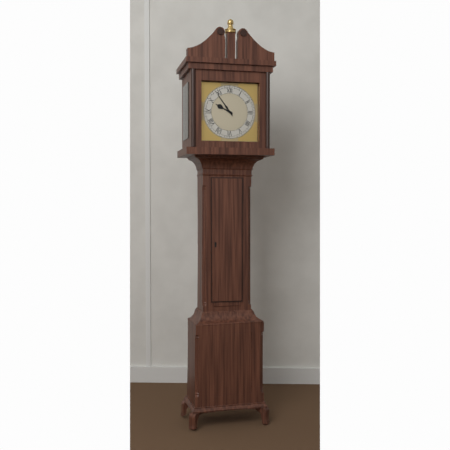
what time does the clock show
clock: 9:54
